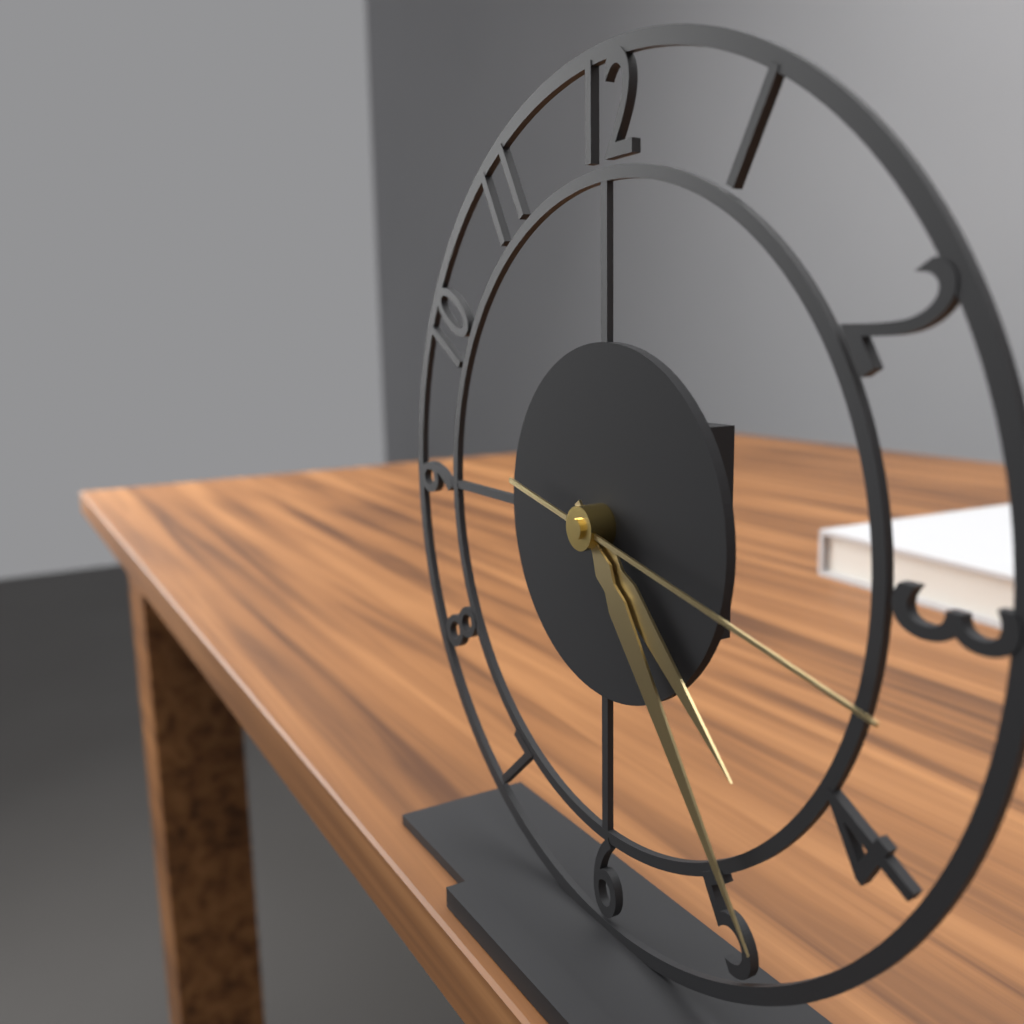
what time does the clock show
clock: 4:24:17
